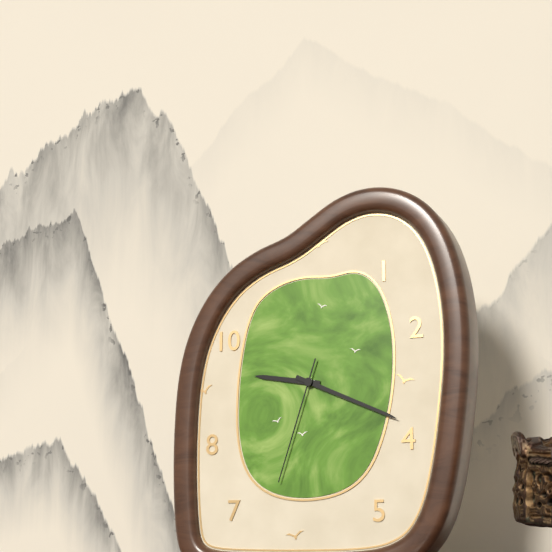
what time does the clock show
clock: 9:19:33
